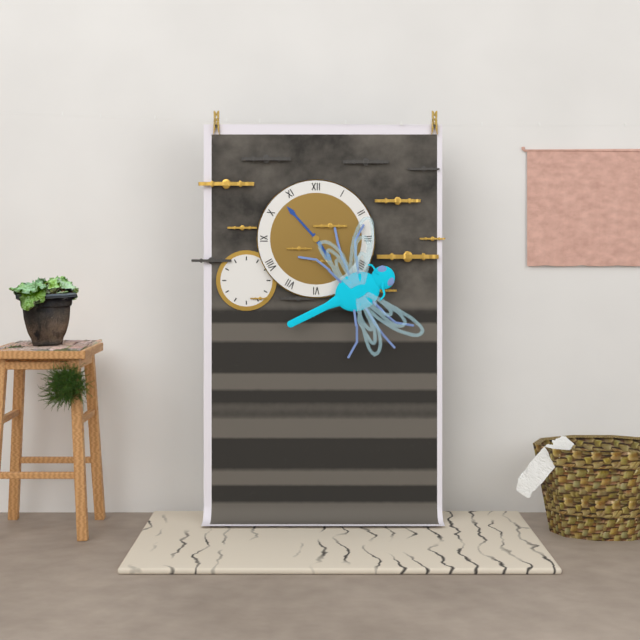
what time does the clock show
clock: 4:53
